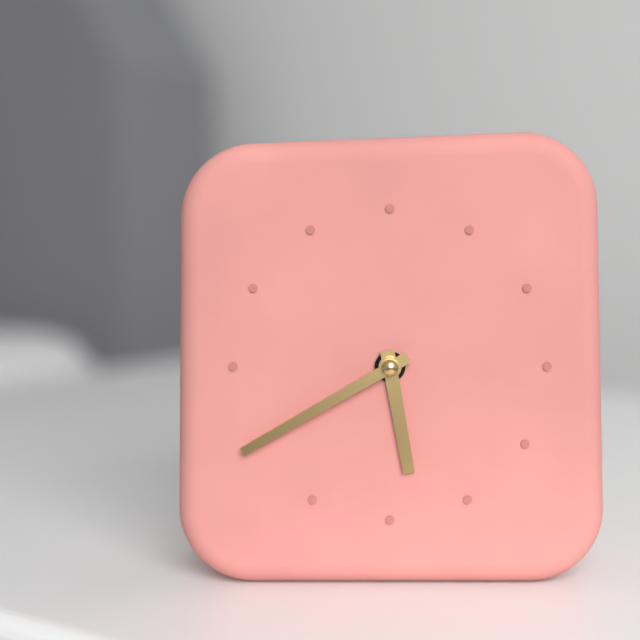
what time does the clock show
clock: 5:40
